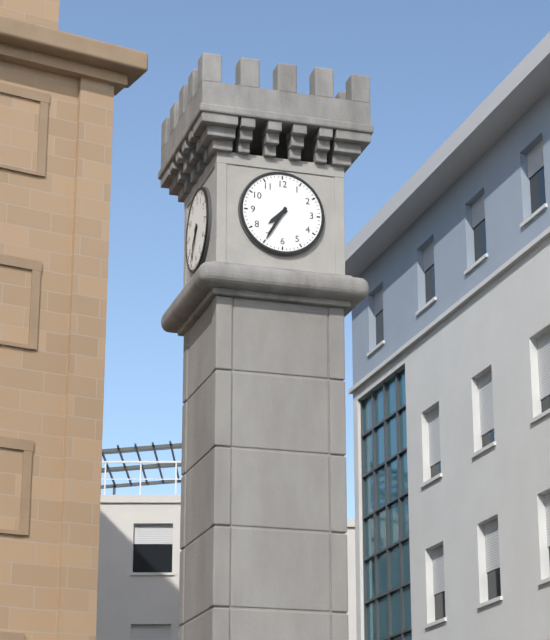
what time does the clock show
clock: 7:35
